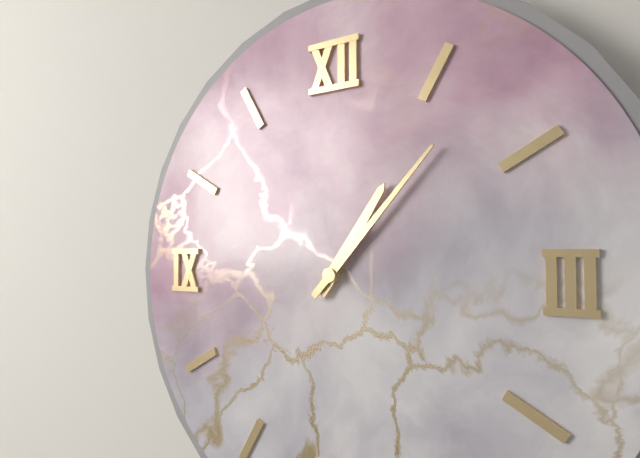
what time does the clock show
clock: 1:07
